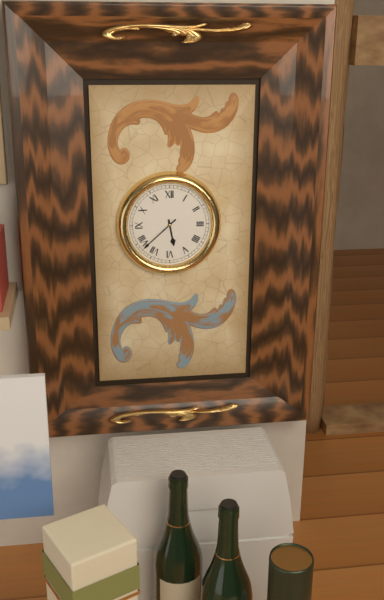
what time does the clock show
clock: 5:38
